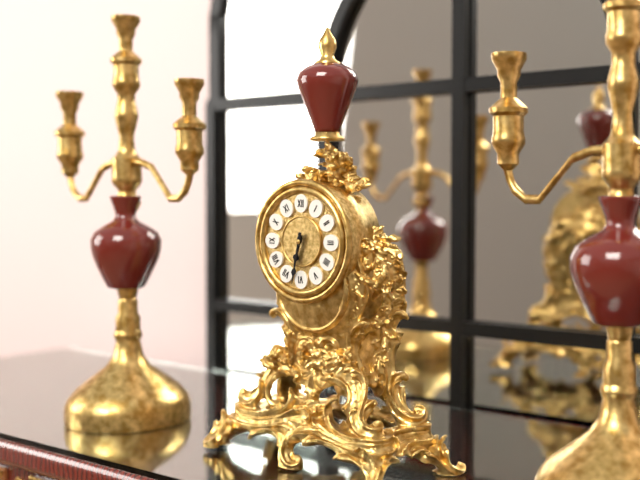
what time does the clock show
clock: 6:32
